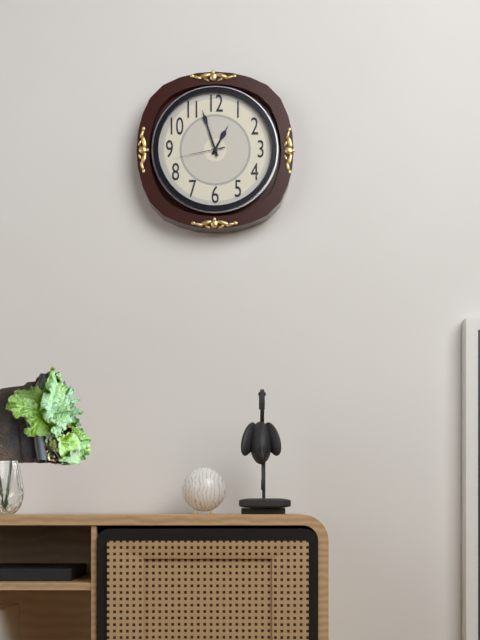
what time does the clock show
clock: 12:57:43
